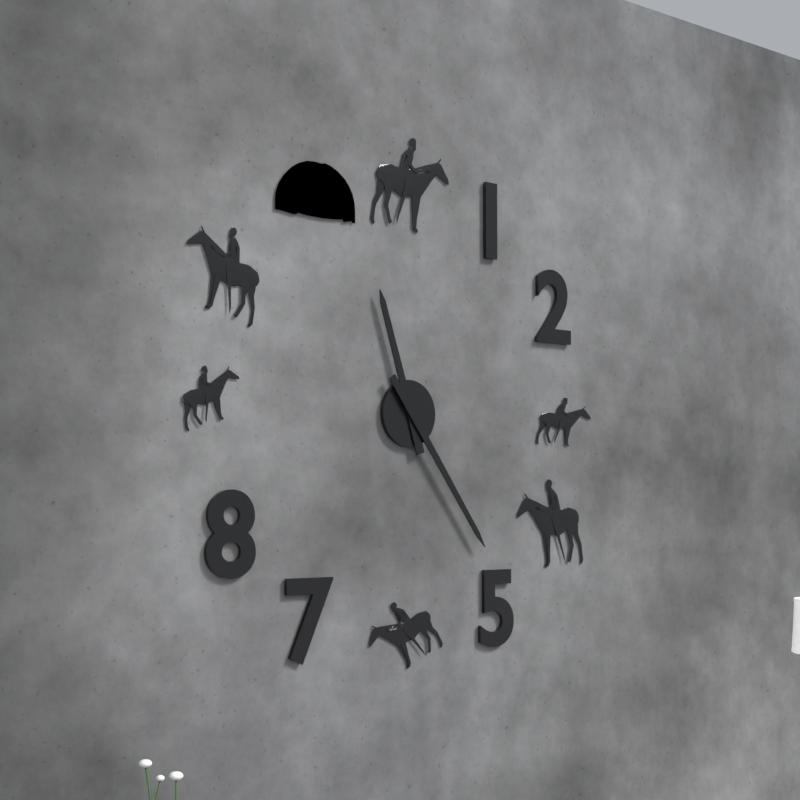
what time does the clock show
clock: 11:24
